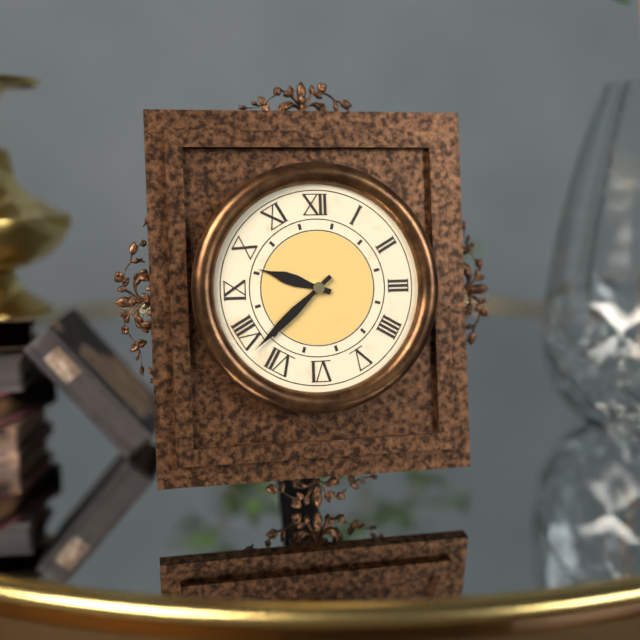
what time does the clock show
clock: 9:38
